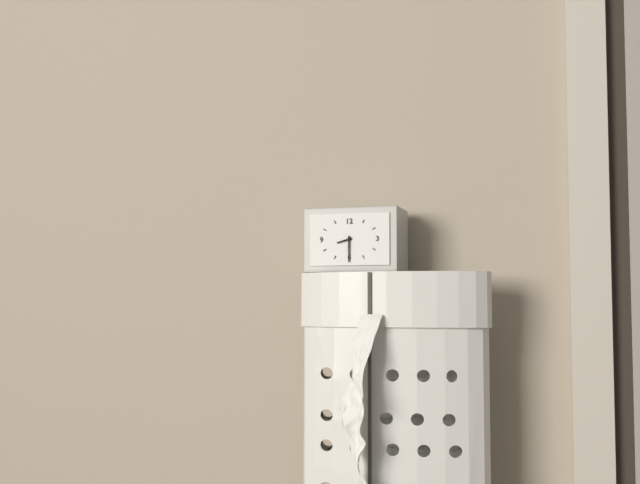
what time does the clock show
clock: 8:30
